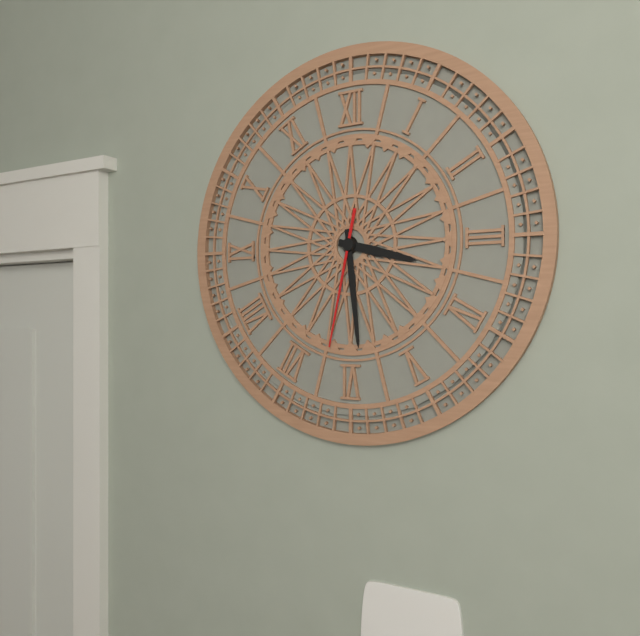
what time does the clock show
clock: 3:29:32
